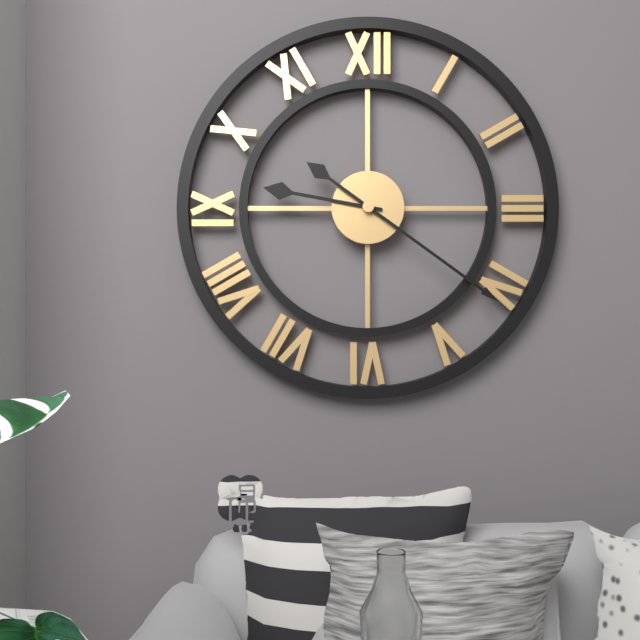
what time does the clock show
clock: 9:21
